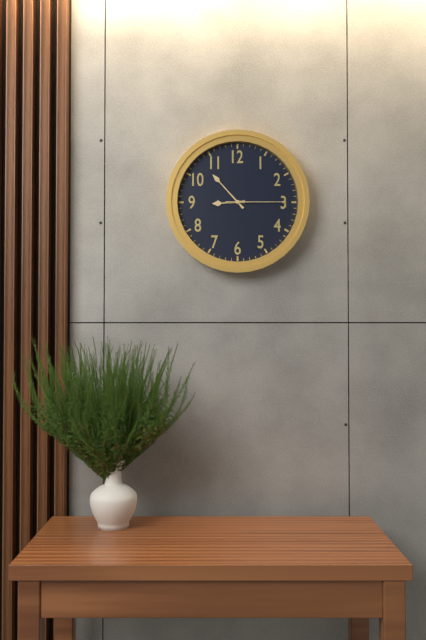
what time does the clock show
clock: 8:53:15
